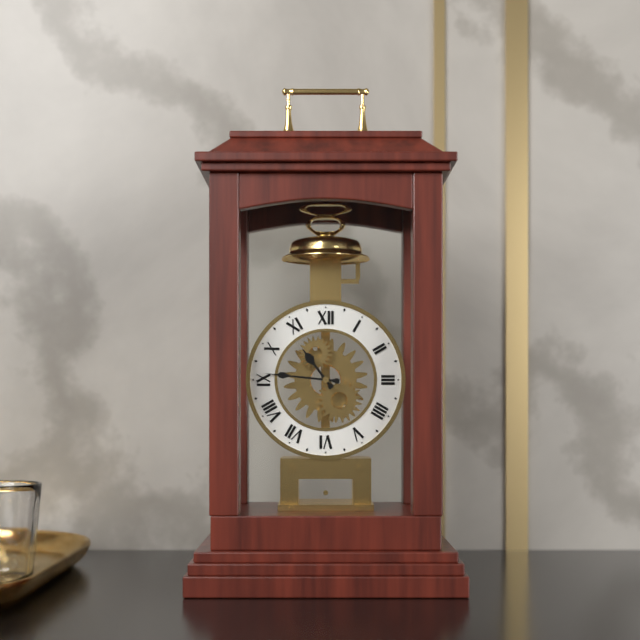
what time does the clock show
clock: 10:46
